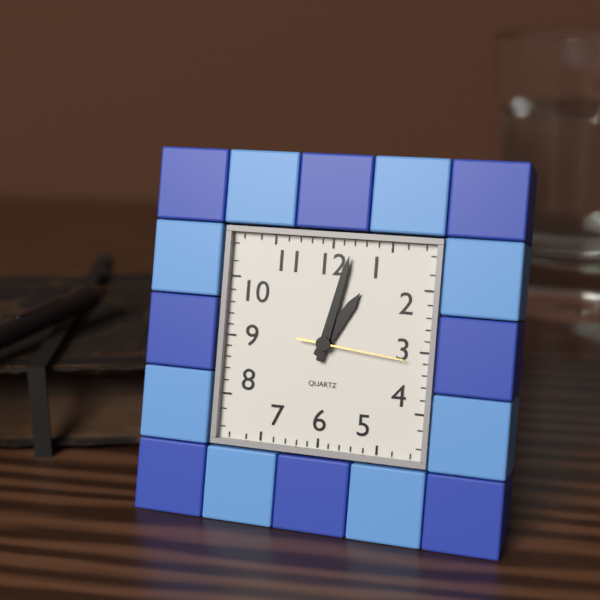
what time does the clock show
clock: 1:02:16
